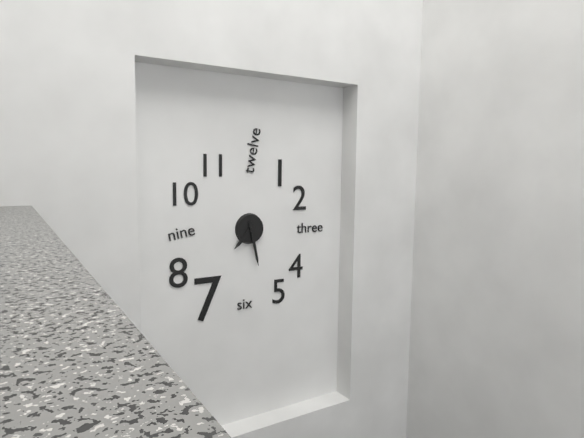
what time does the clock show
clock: 7:28
